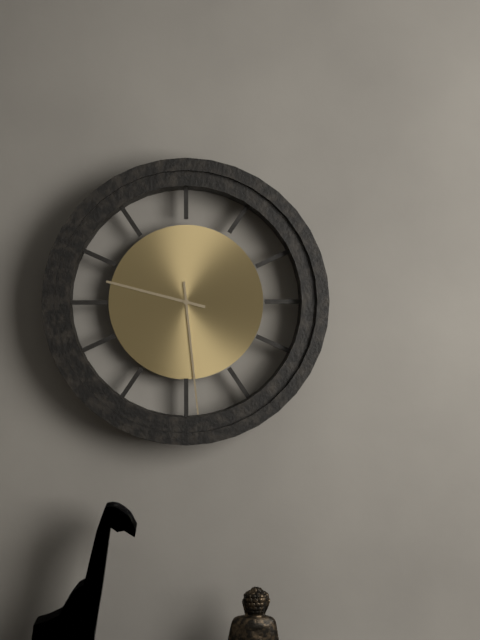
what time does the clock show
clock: 9:29
